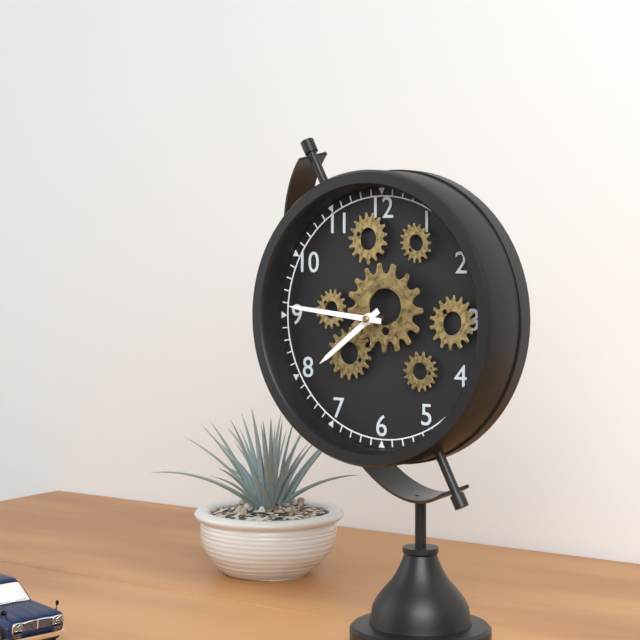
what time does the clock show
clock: 7:46
